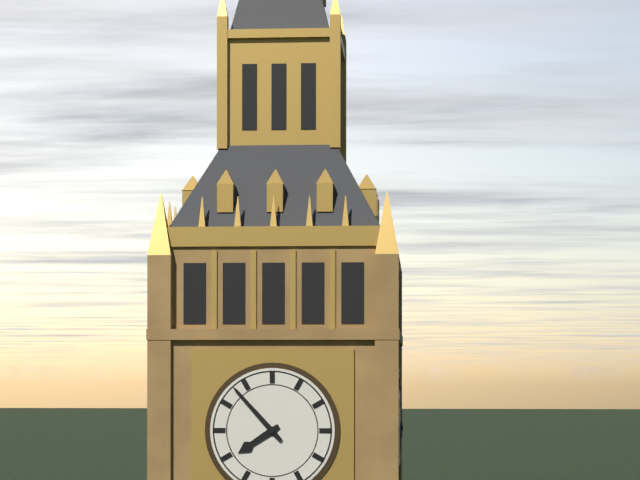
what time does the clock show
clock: 7:53
